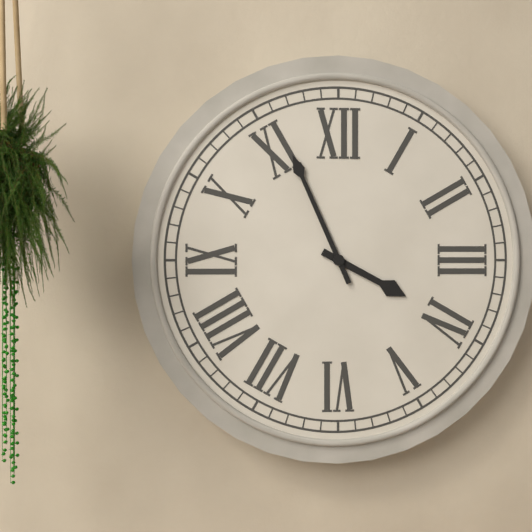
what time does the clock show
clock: 3:56
